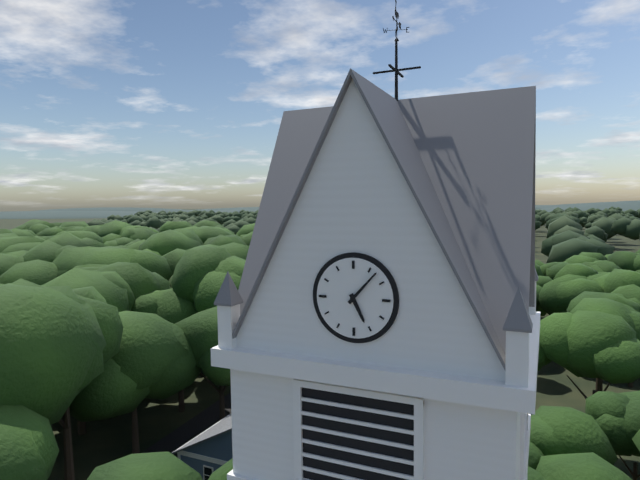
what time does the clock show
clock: 5:07
